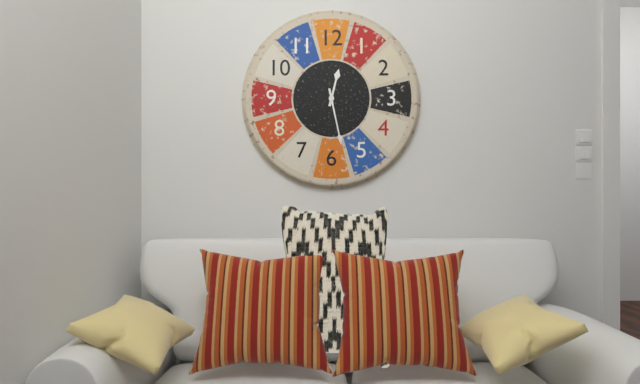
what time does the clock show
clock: 12:28
